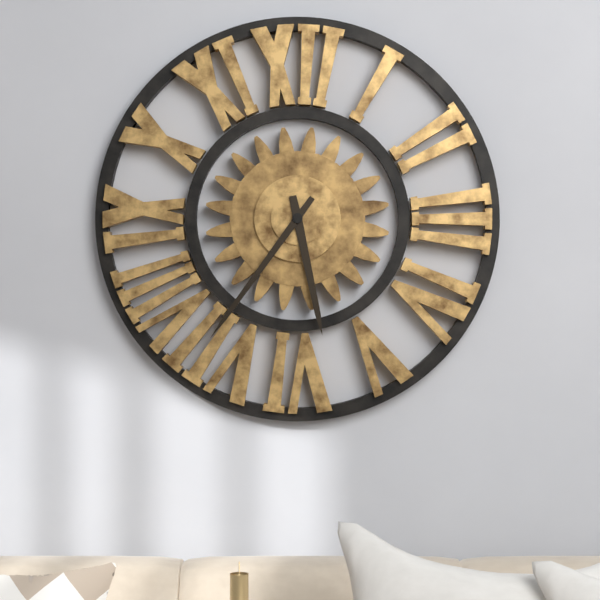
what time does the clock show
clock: 5:36
